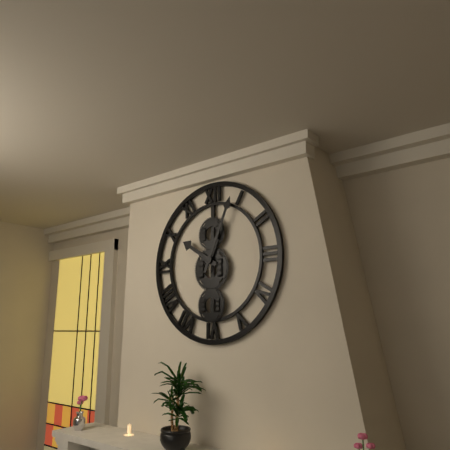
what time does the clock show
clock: 10:04
